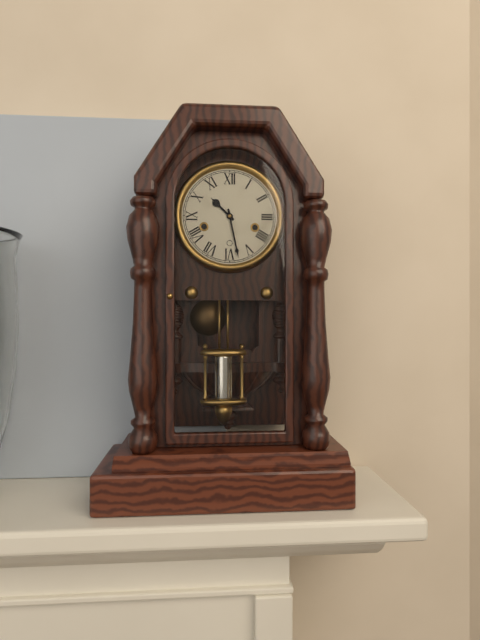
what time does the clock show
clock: 10:28
